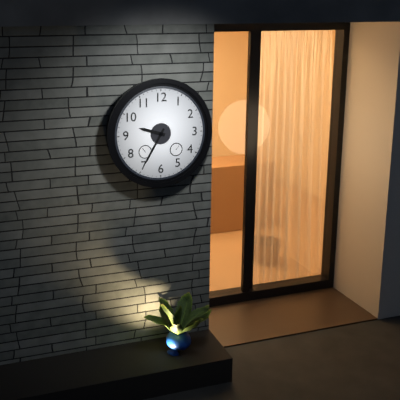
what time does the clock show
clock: 9:35
